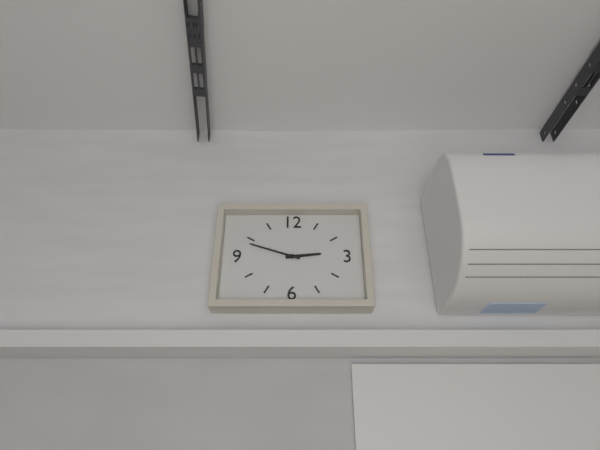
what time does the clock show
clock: 2:48
